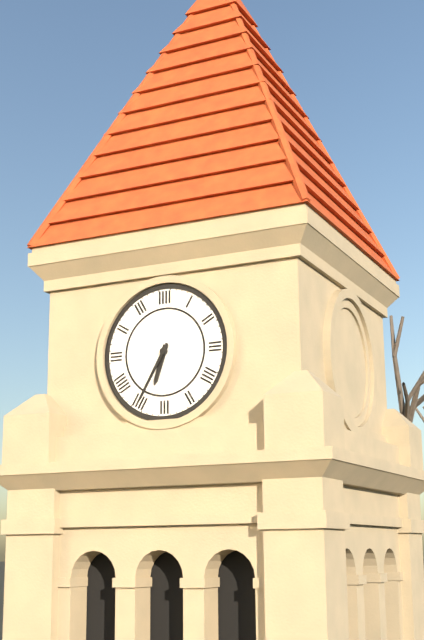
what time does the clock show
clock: 6:35
